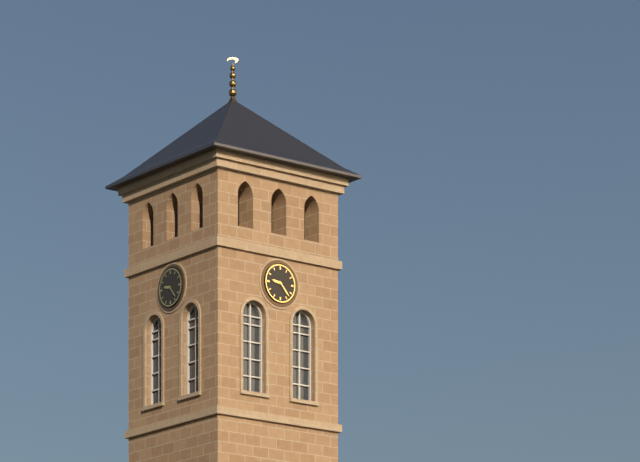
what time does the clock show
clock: 9:23
